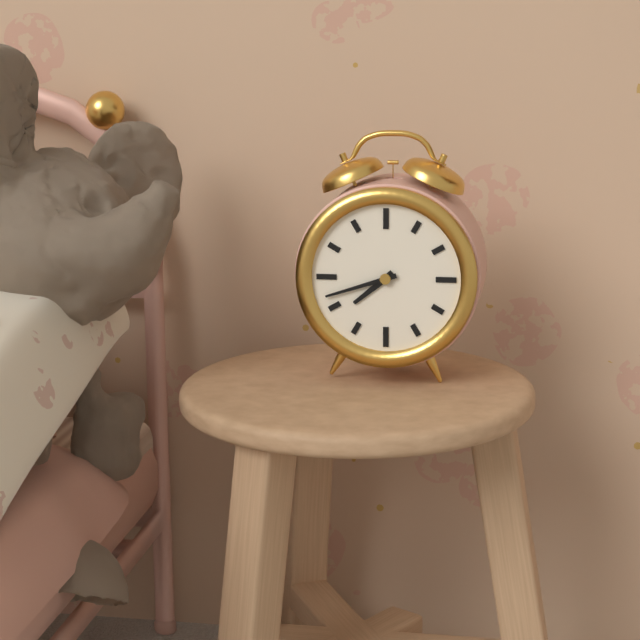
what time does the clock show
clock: 7:42
